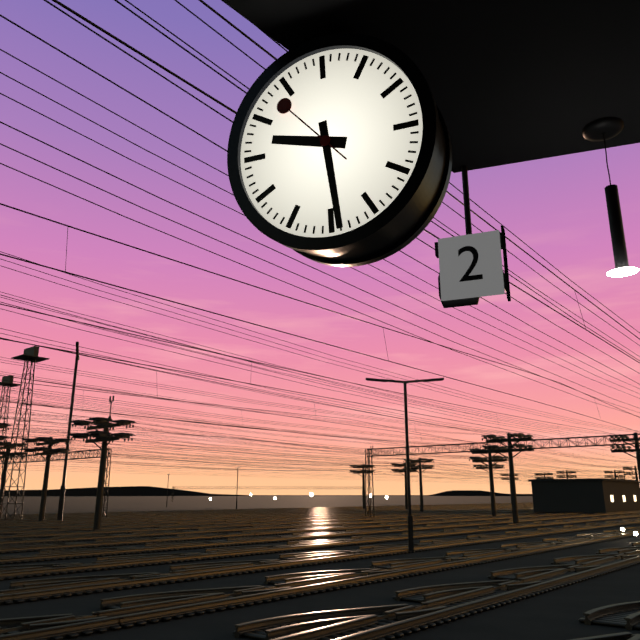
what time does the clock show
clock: 9:29:53
